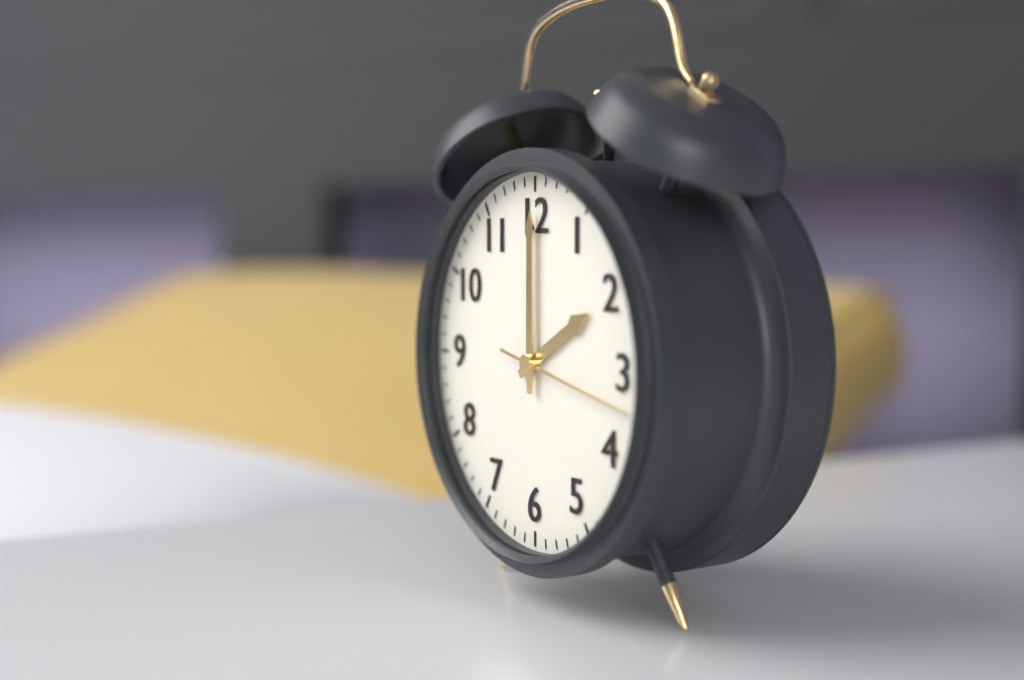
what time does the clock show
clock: 2:00:17
